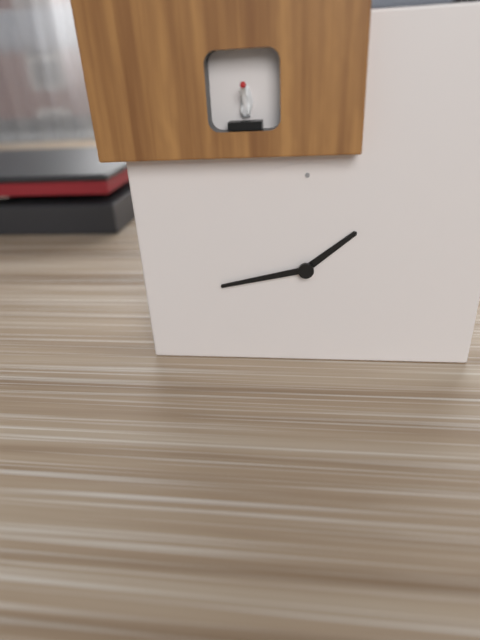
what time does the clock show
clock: 1:43
